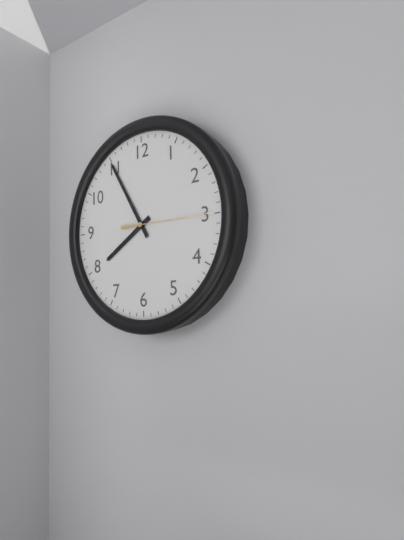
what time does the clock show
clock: 7:55:15
